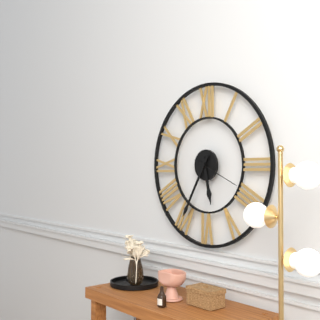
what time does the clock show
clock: 5:35
